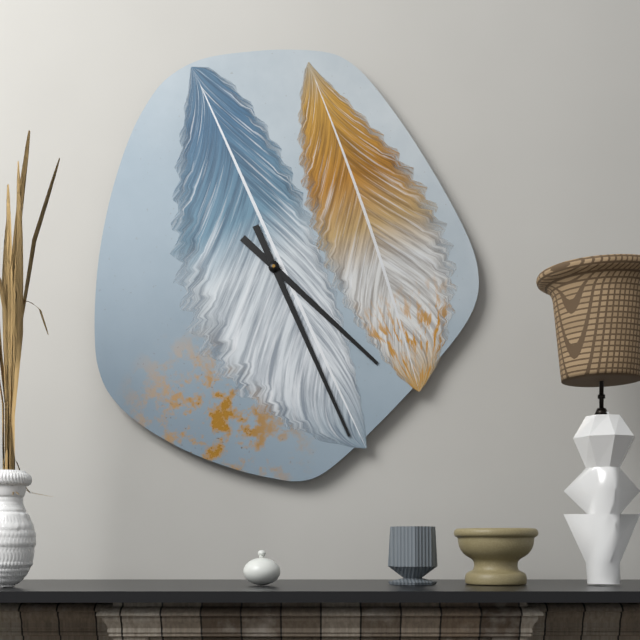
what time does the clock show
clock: 4:26
